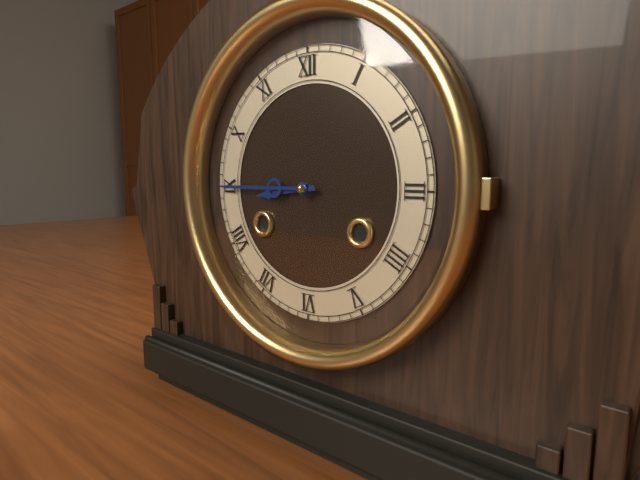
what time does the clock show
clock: 8:45
